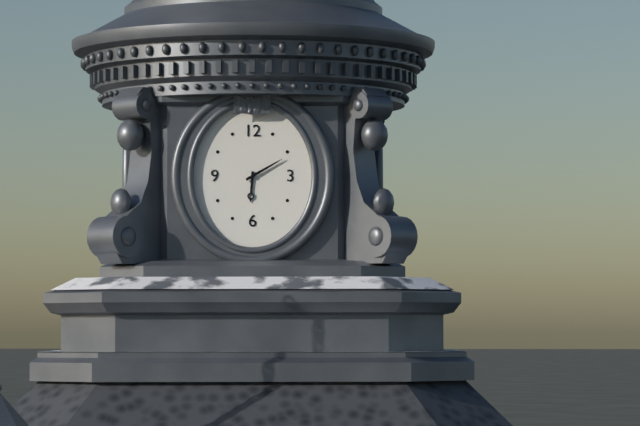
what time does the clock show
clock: 6:10
